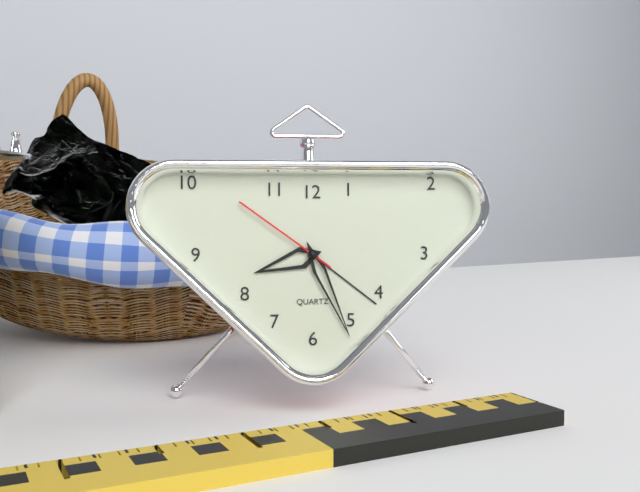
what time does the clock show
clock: 8:26:51
